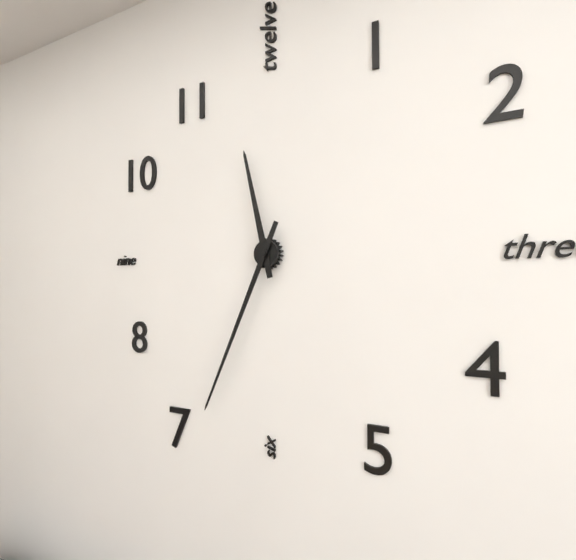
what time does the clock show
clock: 11:34
